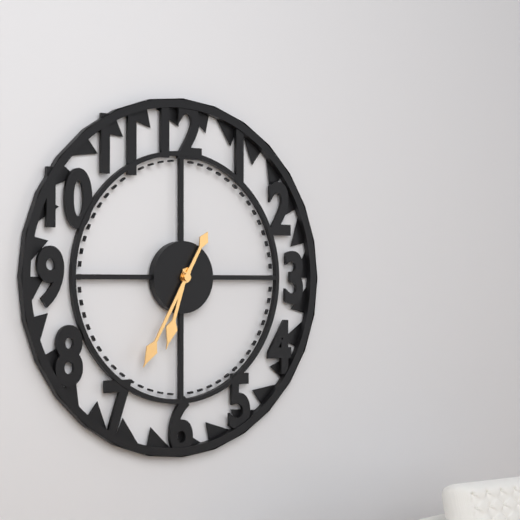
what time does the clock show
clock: 6:35
